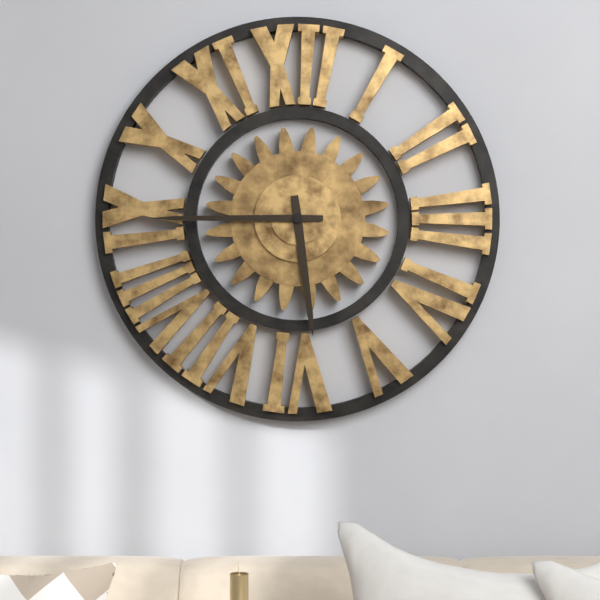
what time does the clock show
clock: 5:45
